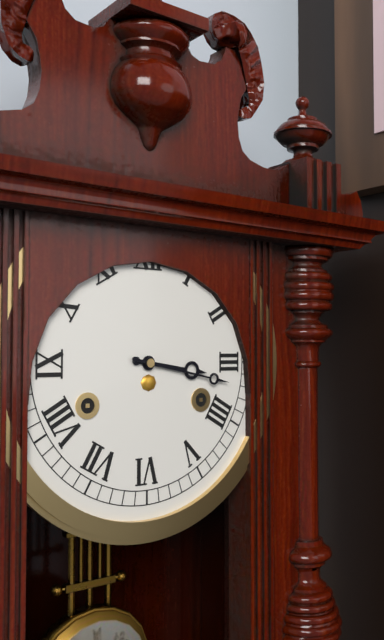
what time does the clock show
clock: 3:17
